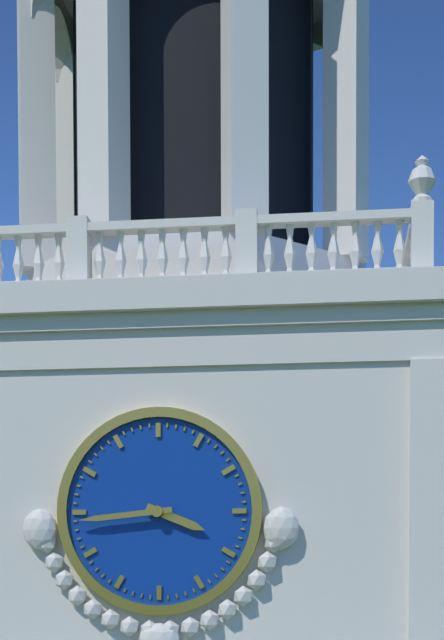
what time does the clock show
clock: 3:44
